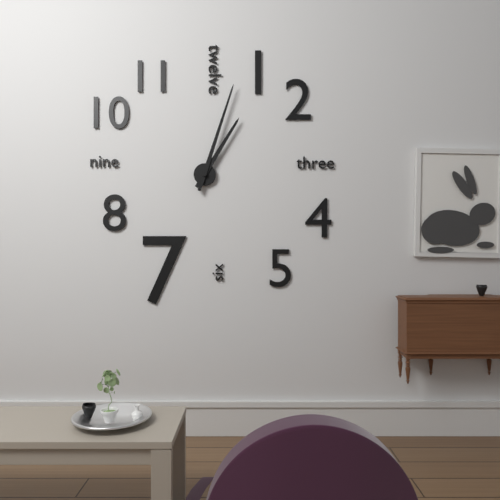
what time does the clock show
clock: 1:03
